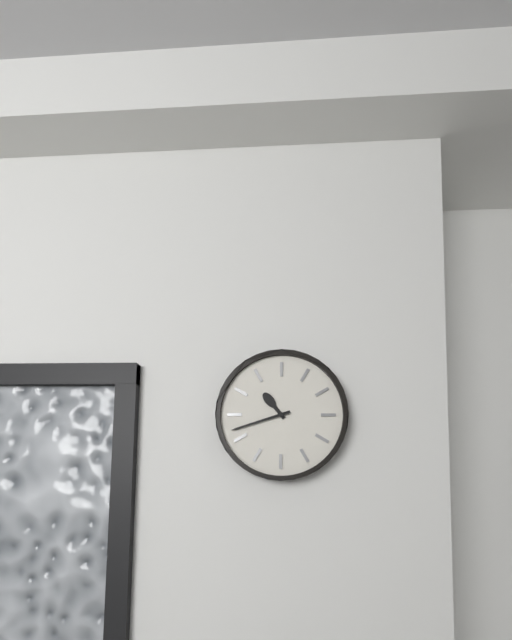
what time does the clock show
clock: 10:42
